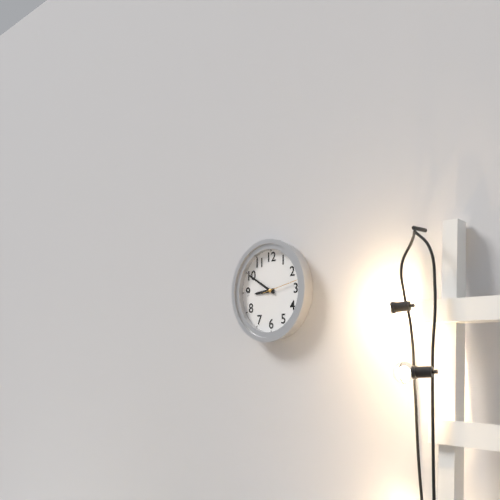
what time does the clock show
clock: 8:50
